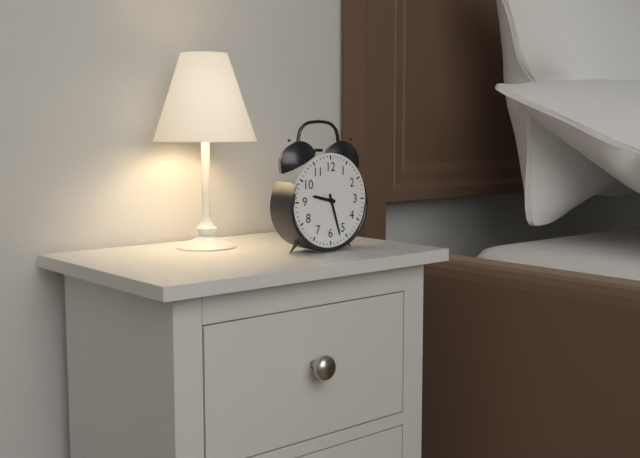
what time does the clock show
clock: 9:27
